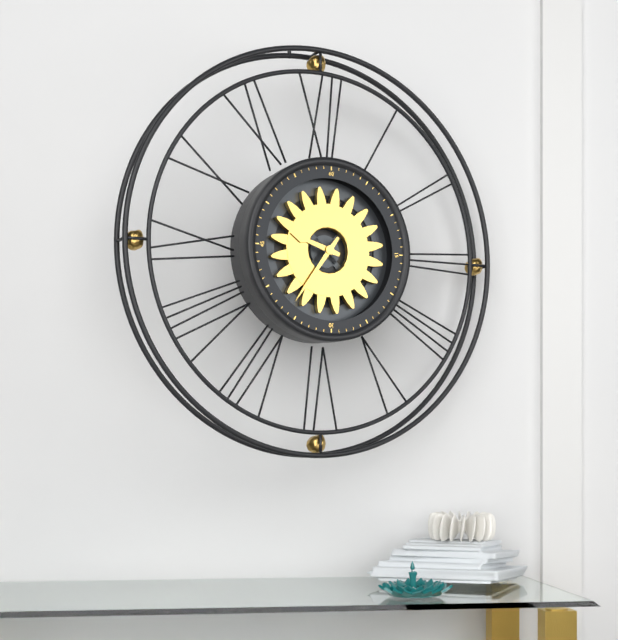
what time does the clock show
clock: 9:36
